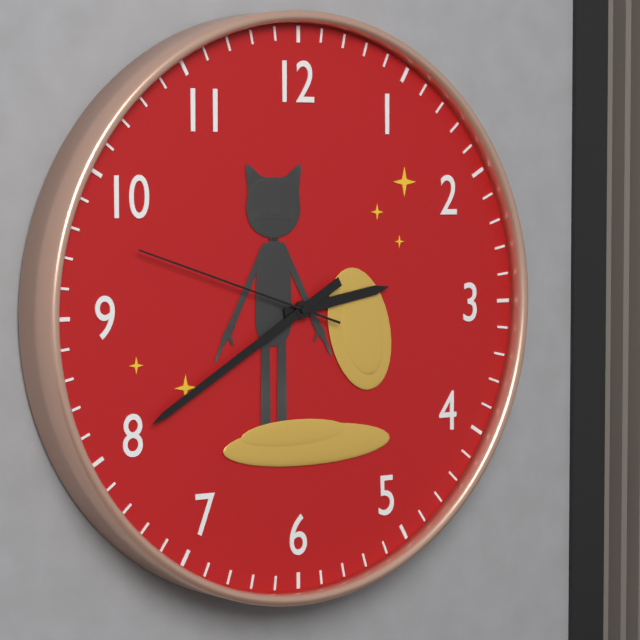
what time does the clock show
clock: 2:40:48
